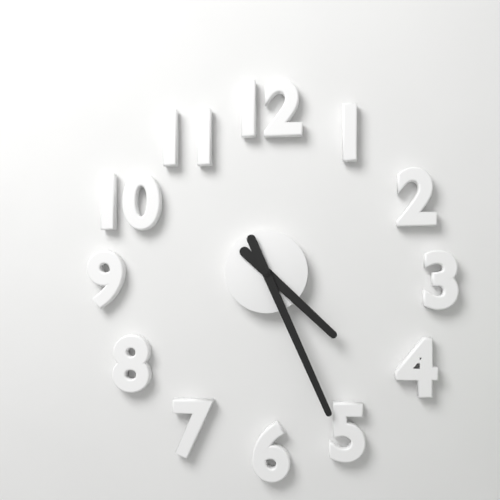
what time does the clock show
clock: 4:26
